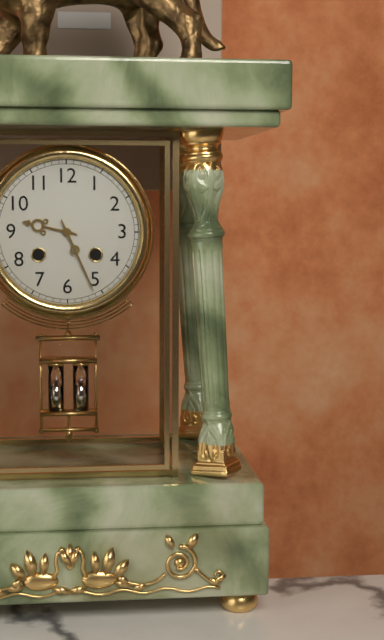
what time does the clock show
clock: 9:26
